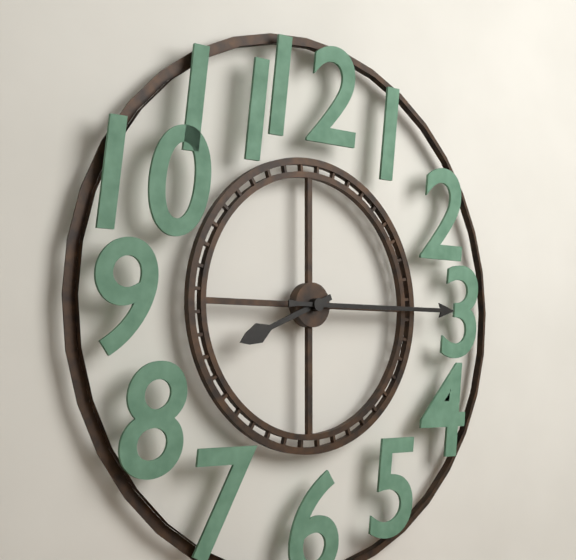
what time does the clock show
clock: 8:15
